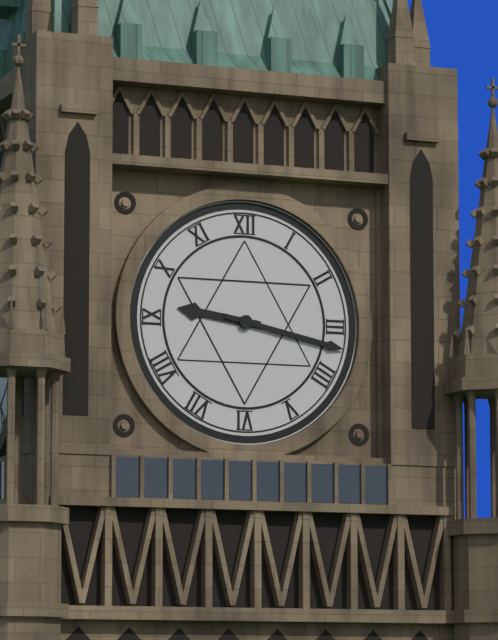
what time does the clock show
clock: 9:17
